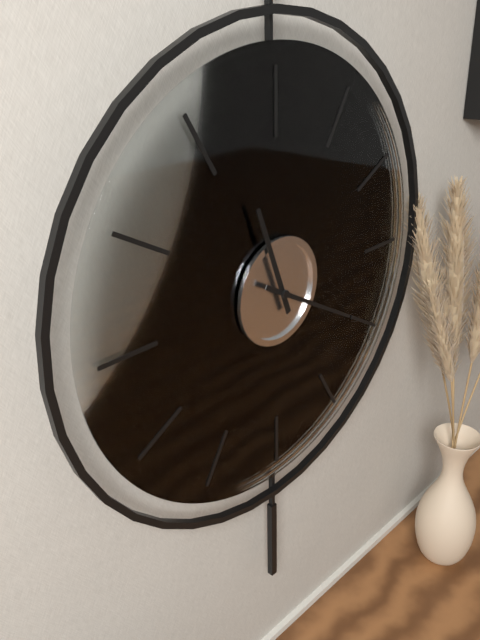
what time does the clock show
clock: 11:20
